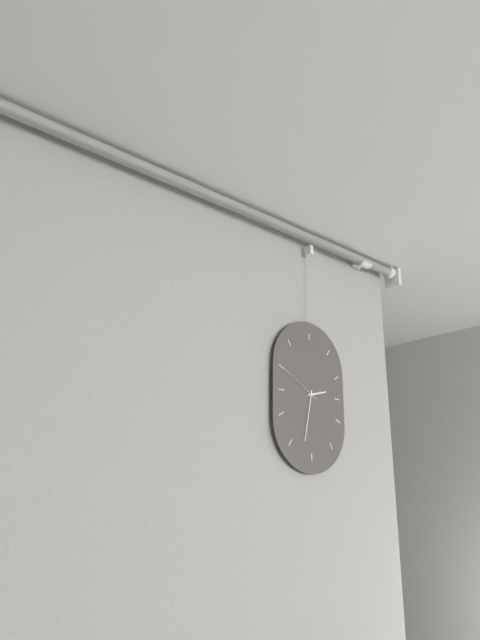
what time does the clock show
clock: 2:32
